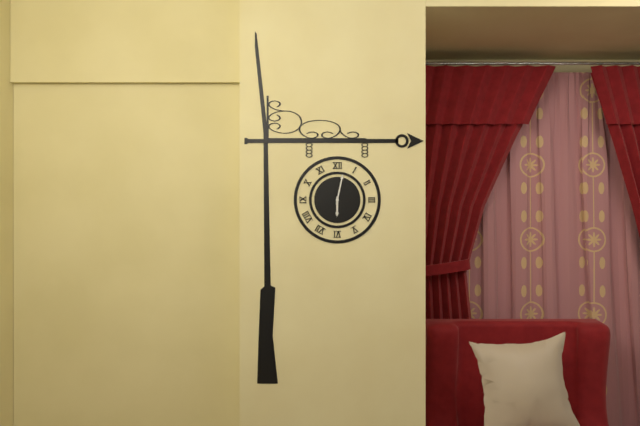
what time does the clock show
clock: 6:02
